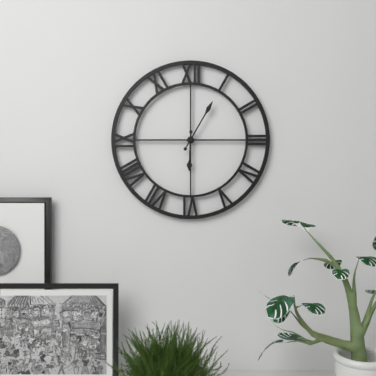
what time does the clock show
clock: 6:05
